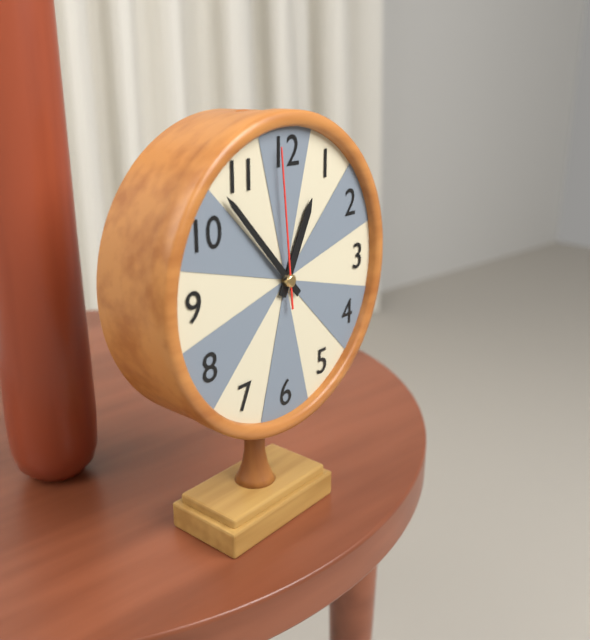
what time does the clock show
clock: 12:53:59
